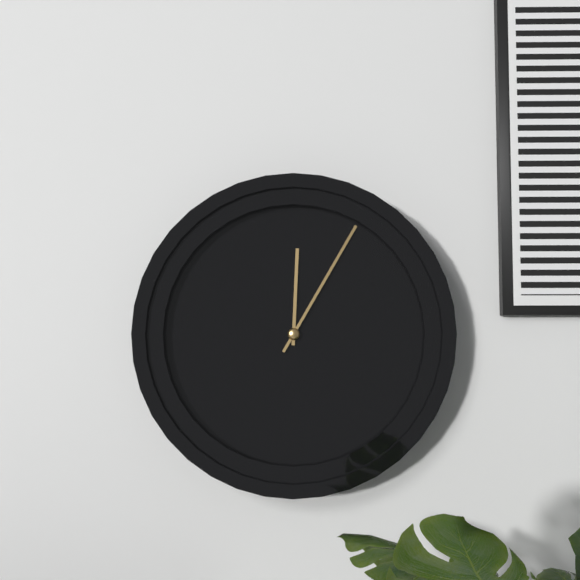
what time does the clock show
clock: 12:05
